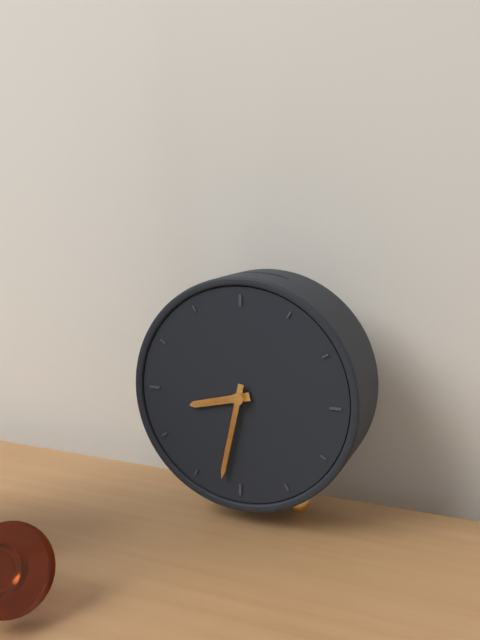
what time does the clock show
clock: 8:32
